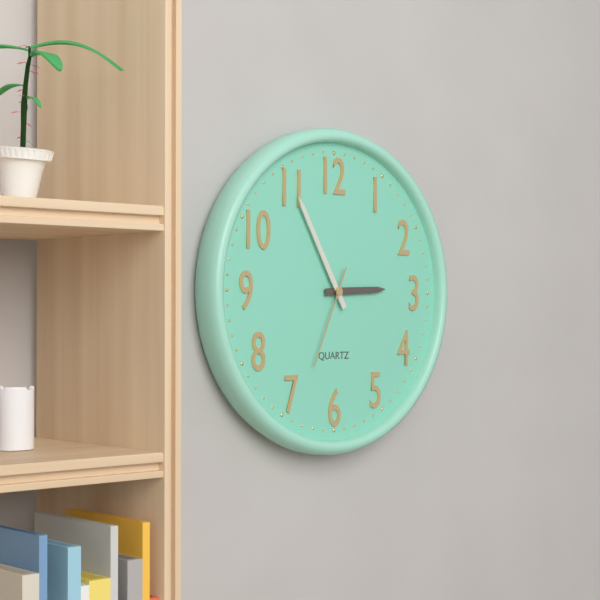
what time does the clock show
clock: 2:55:34
